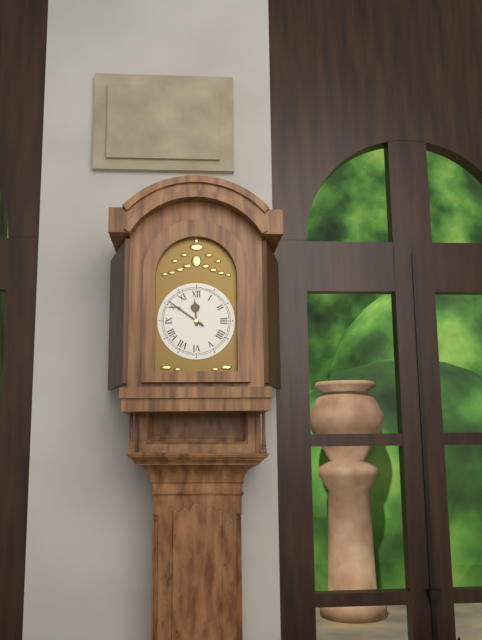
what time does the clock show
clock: 11:51
